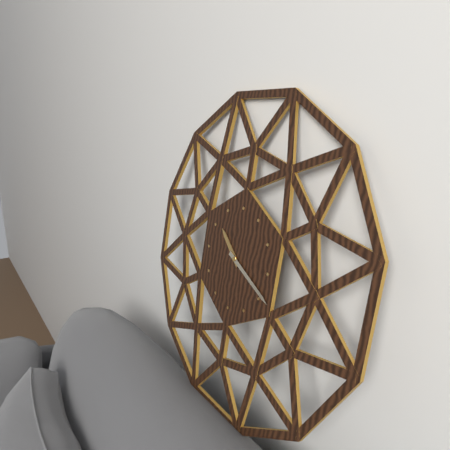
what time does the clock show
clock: 10:19
